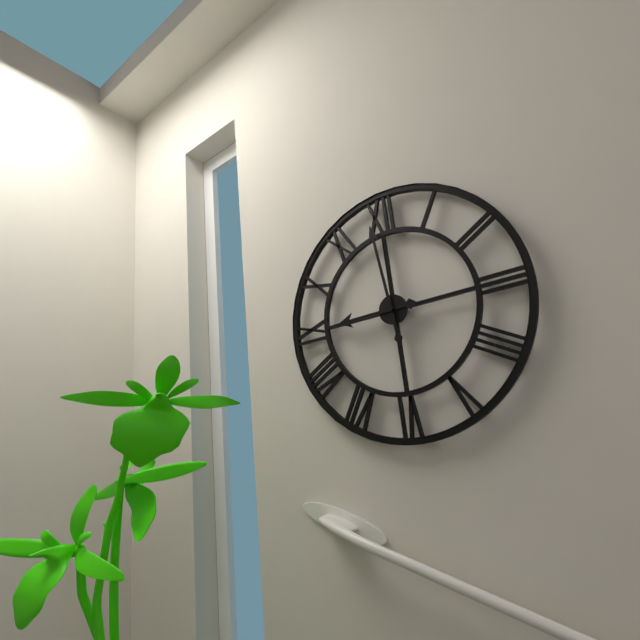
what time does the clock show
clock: 8:59
